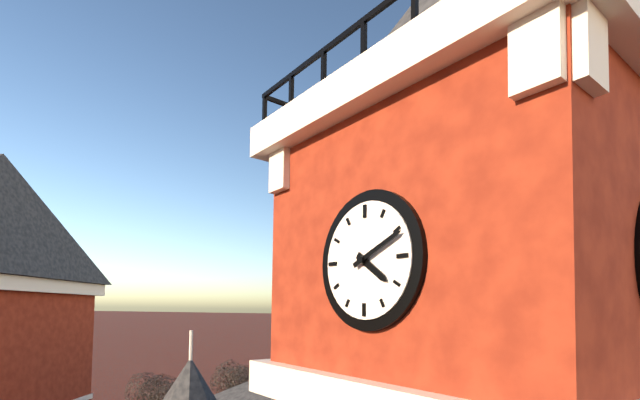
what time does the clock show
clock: 4:11
